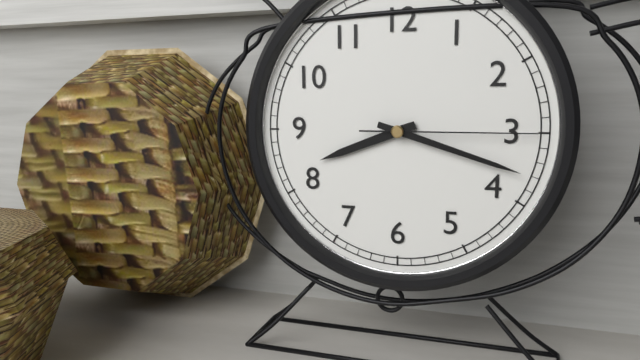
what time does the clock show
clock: 8:18:15
